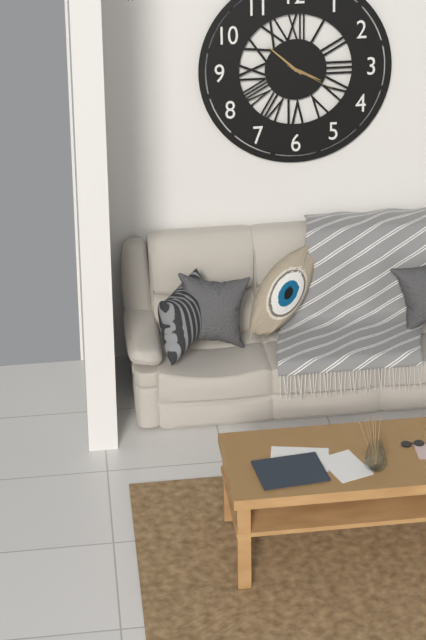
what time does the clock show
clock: 3:52:20
